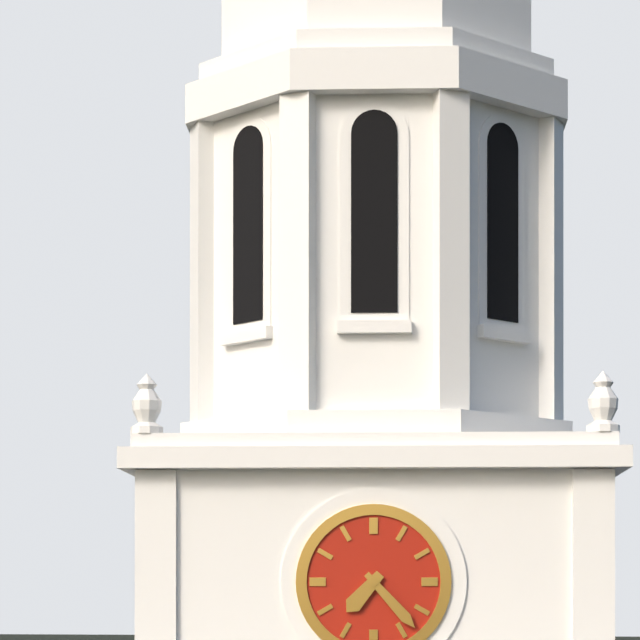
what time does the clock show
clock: 7:23
